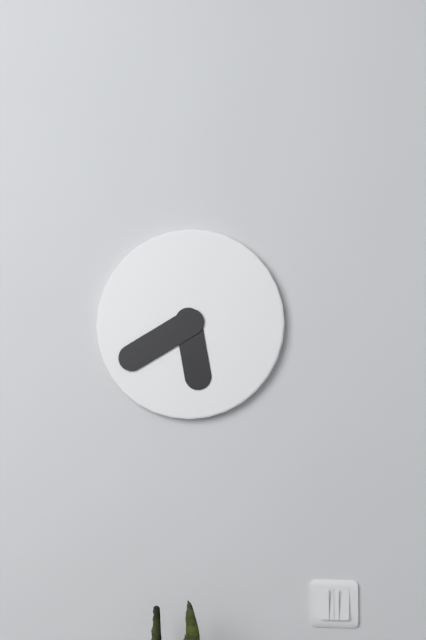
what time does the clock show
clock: 5:40
